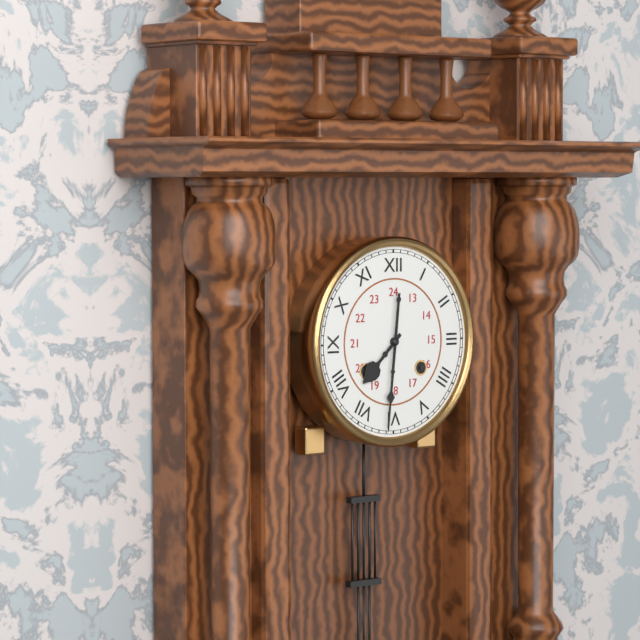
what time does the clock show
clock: 7:31
